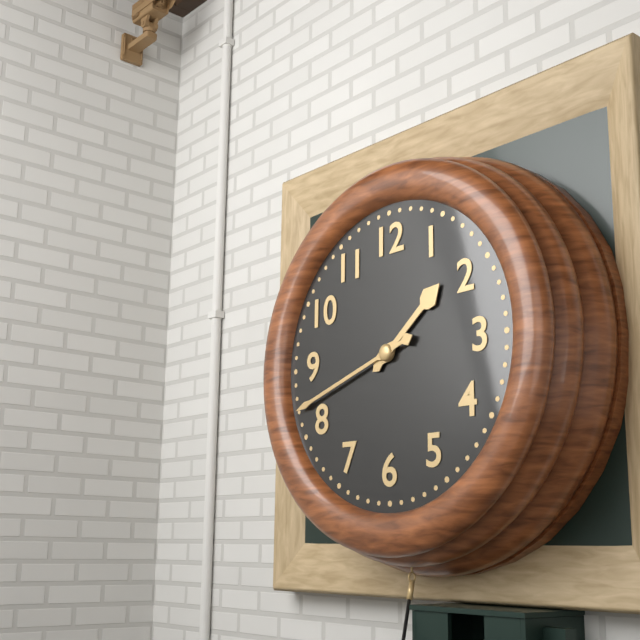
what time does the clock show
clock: 1:42
